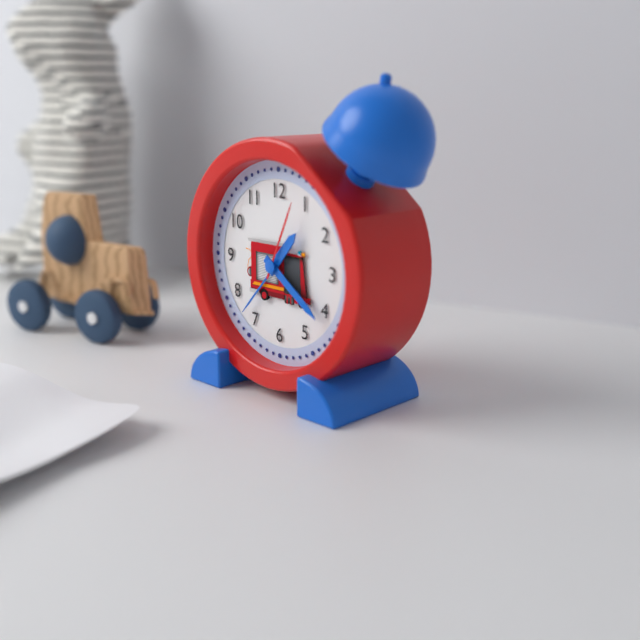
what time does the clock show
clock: 1:21:04
